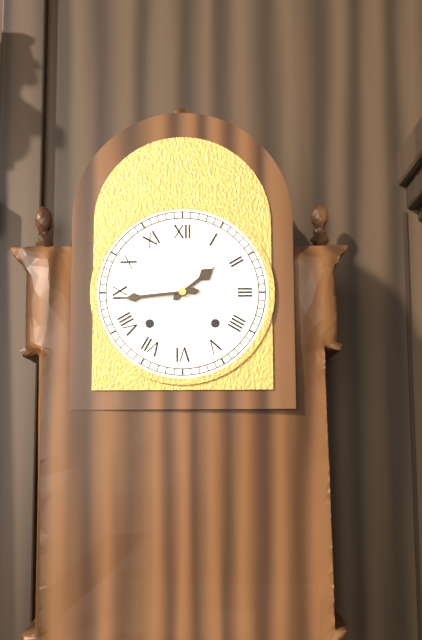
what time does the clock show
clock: 1:44
